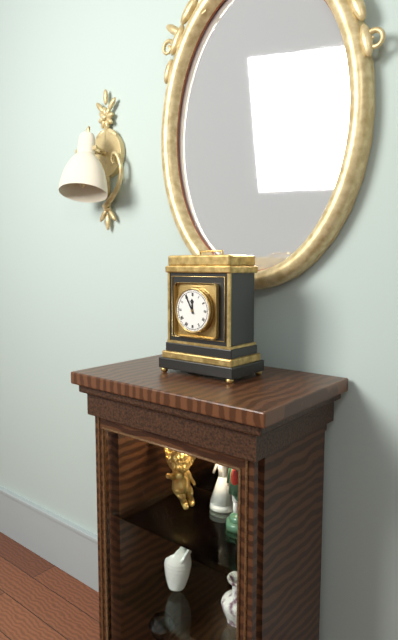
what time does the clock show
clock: 11:55
